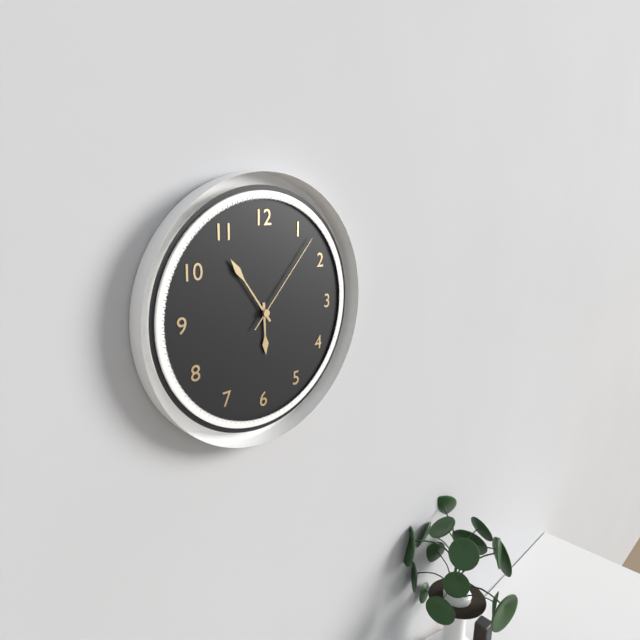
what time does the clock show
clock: 5:54:07
